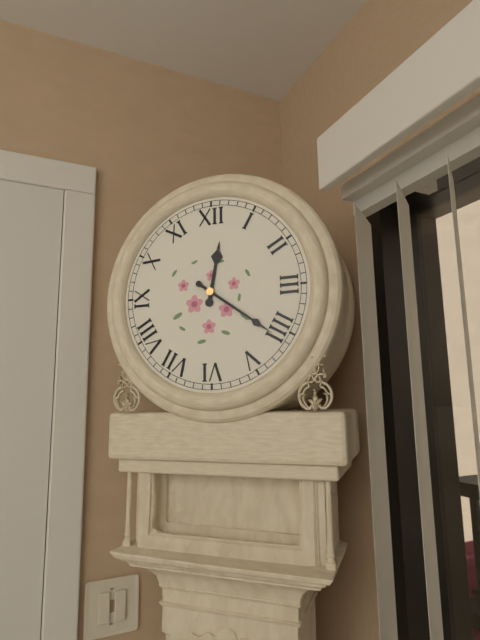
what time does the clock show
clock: 12:21
